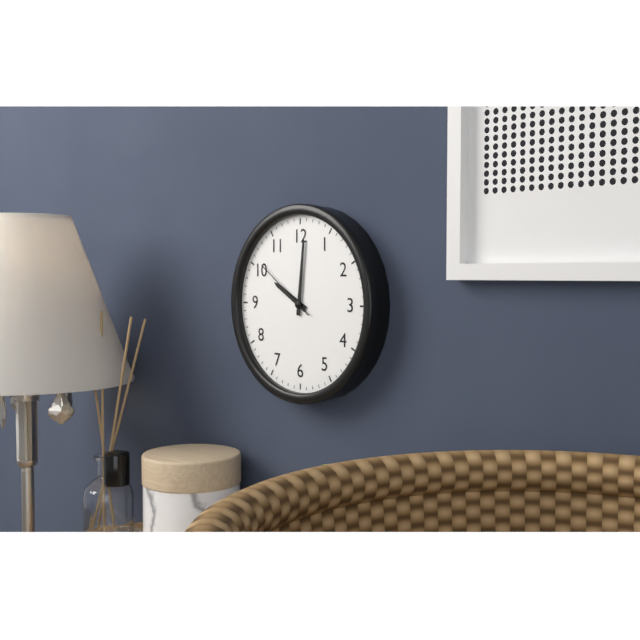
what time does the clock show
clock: 10:01:51
